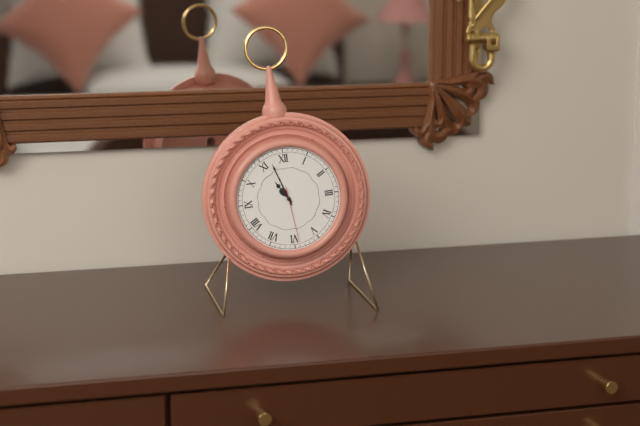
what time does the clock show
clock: 10:57:29
